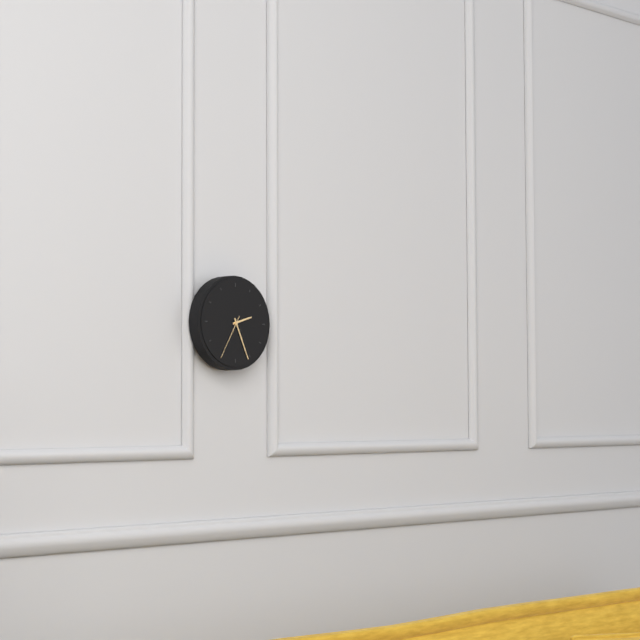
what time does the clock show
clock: 2:26
